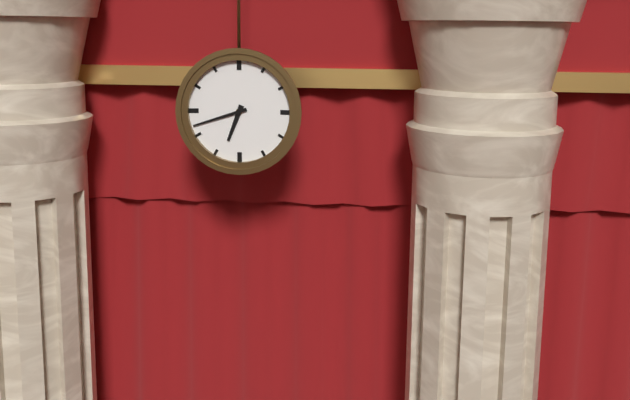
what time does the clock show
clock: 6:42
